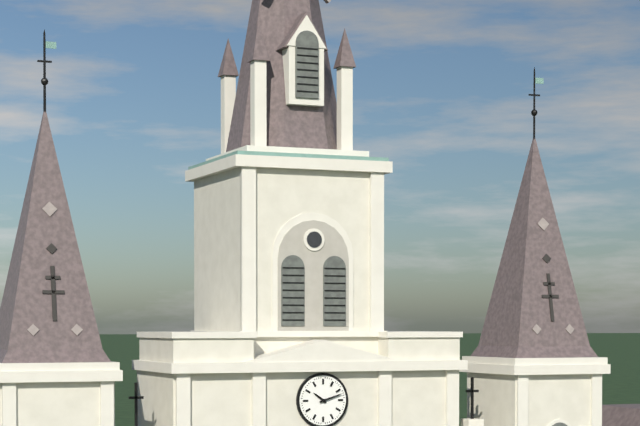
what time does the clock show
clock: 10:12
